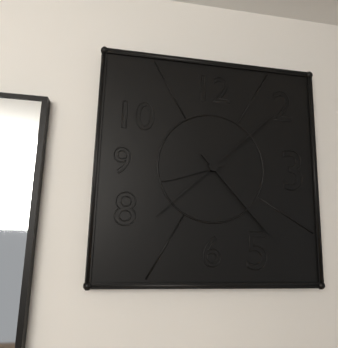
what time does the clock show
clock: 8:23:08
